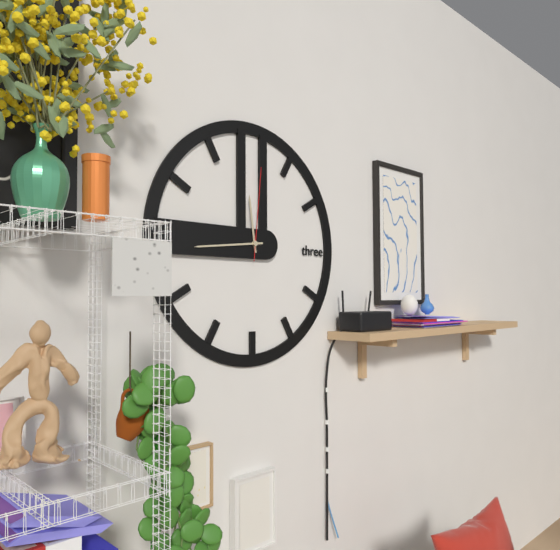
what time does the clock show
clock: 11:44:01
